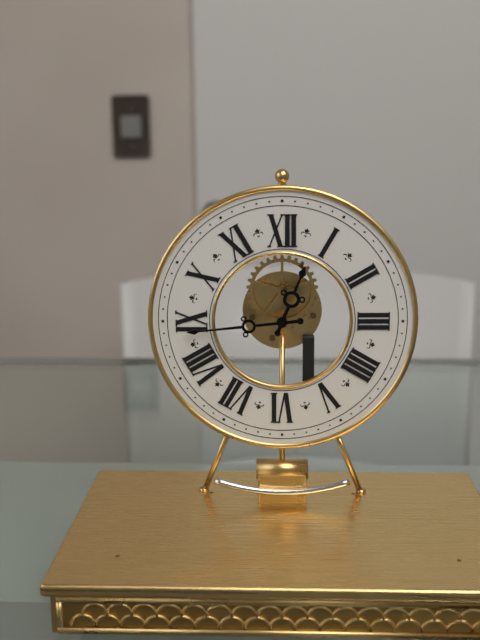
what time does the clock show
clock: 12:44
